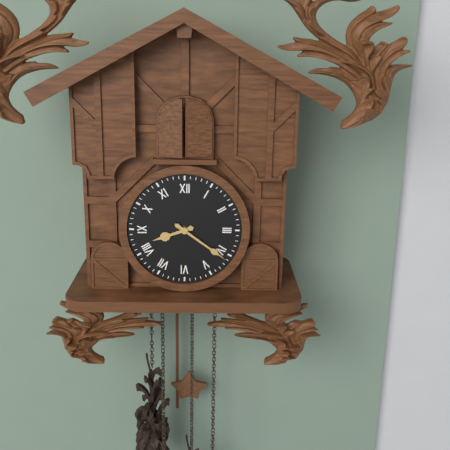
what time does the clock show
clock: 8:21
